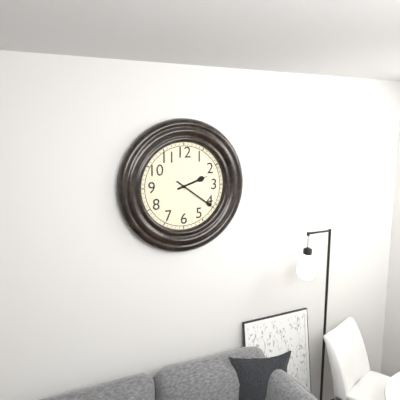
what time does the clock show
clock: 2:21
